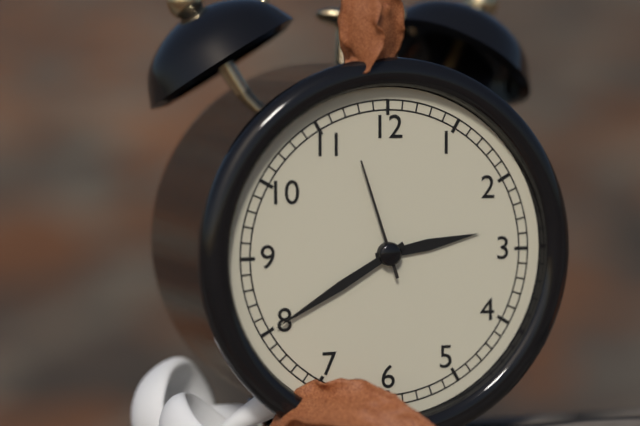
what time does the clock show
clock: 2:40:57
